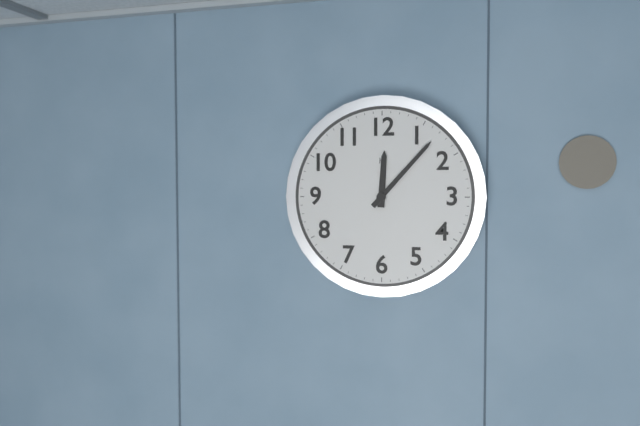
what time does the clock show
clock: 12:07
